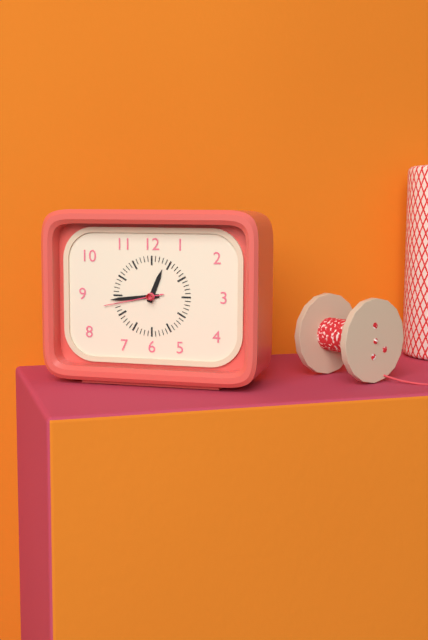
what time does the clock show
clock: 12:44:43
